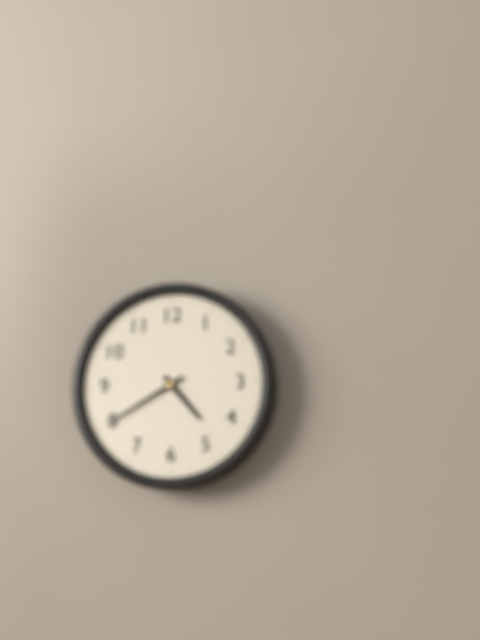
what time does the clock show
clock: 4:40
